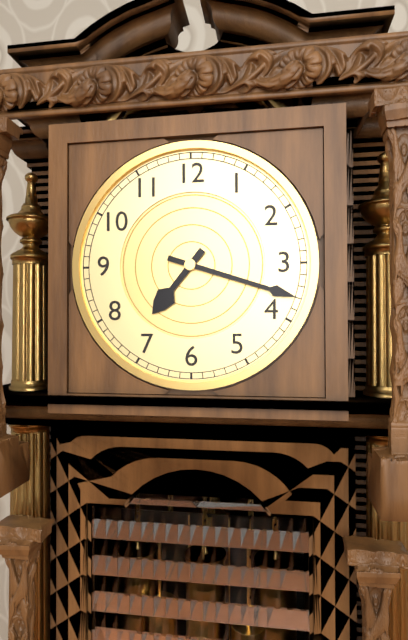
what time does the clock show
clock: 7:18
